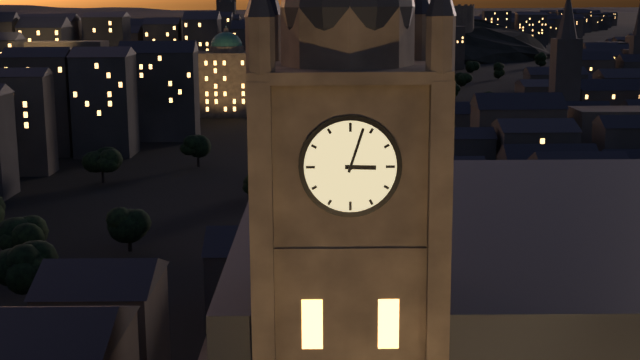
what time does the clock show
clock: 3:03
